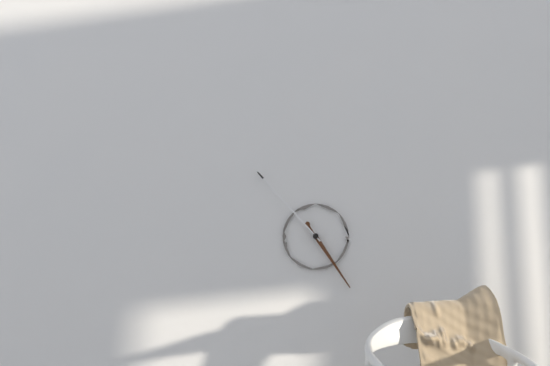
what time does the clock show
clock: 4:53
